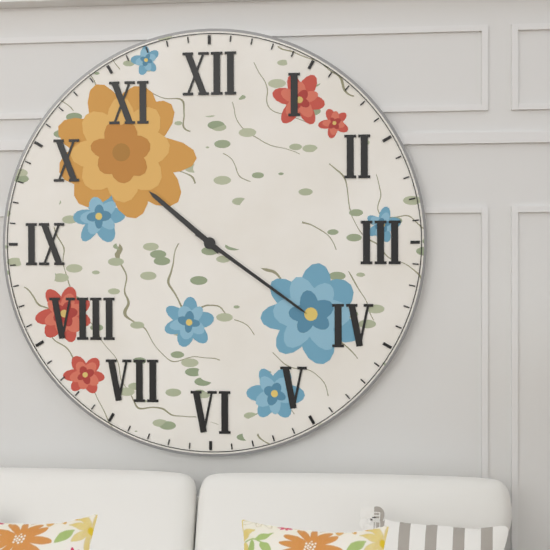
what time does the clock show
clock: 10:21
